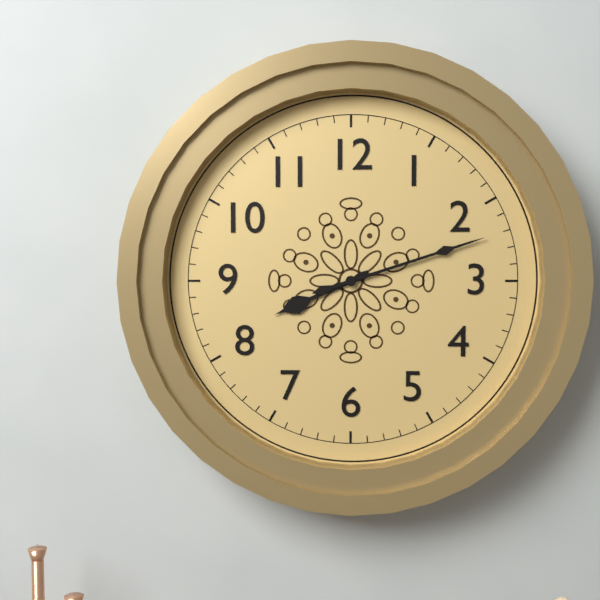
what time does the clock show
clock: 8:12
